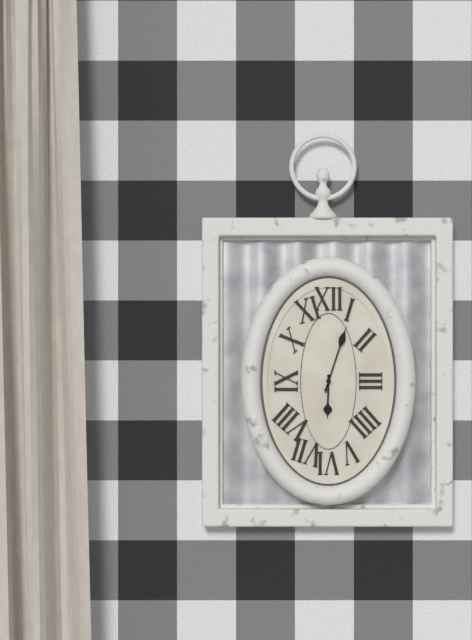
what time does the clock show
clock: 6:03
